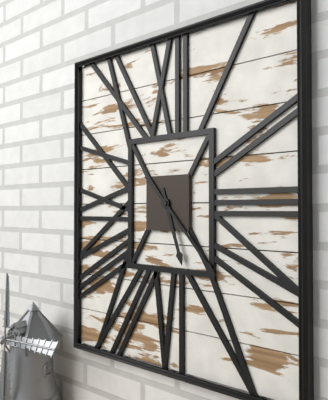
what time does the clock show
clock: 5:23
